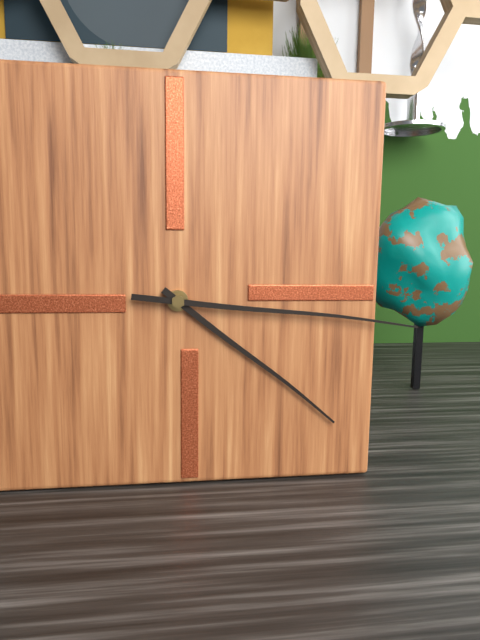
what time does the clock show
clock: 4:16
